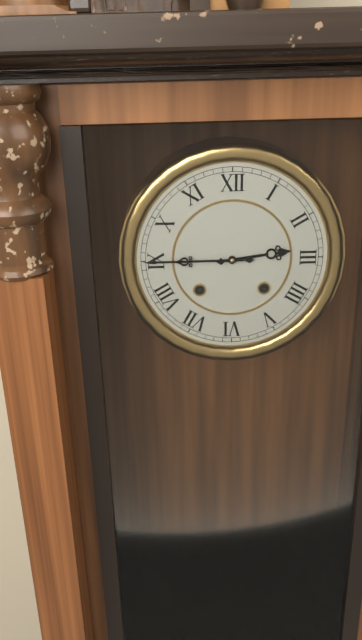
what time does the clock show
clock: 2:45
